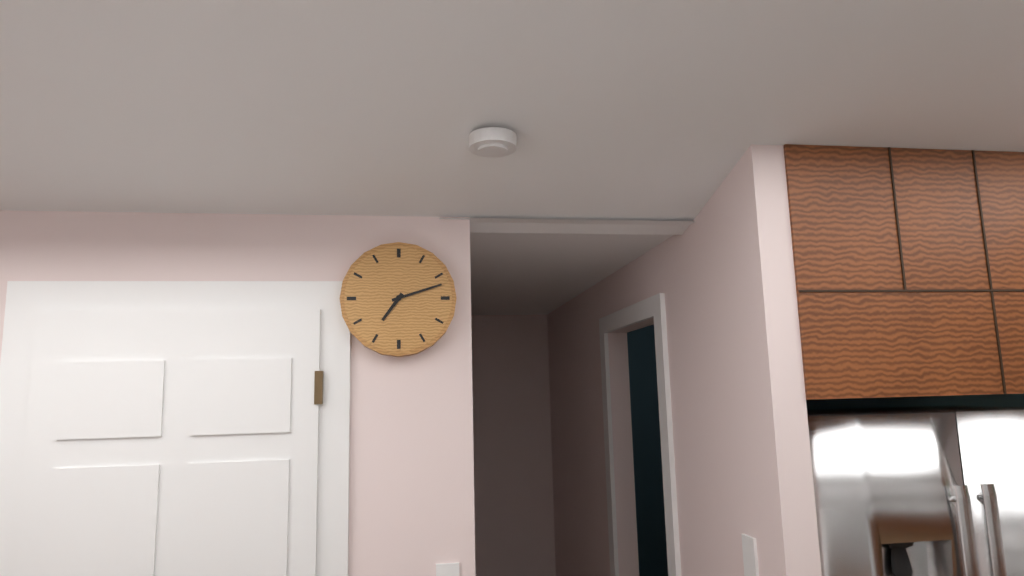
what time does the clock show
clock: 7:12
